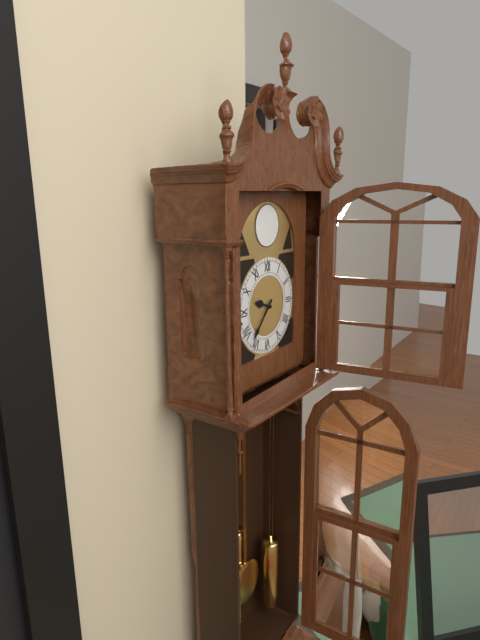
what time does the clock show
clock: 9:37
